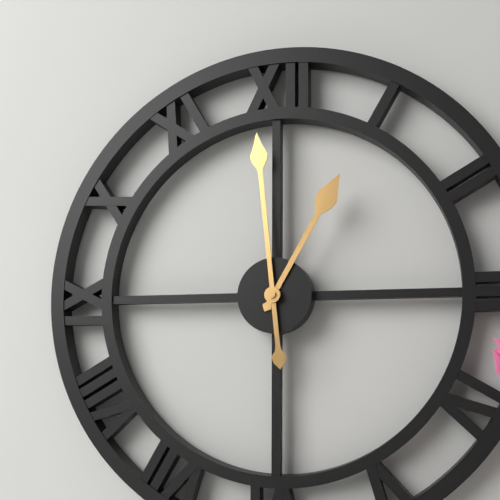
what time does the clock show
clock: 12:59
